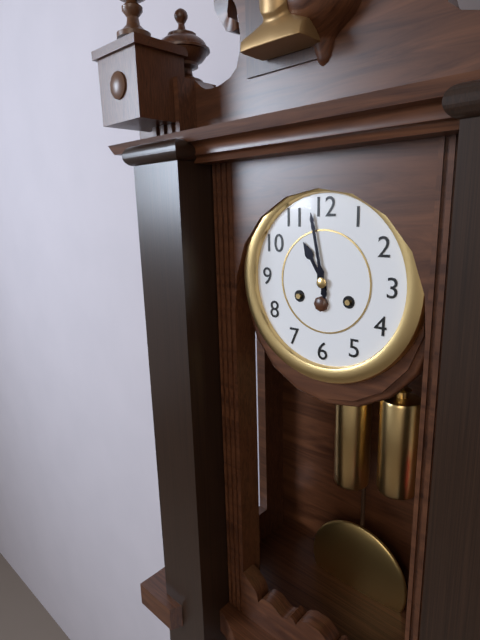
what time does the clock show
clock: 10:58
